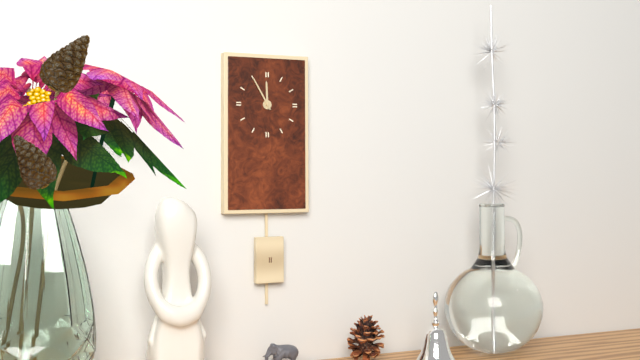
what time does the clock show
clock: 11:55
